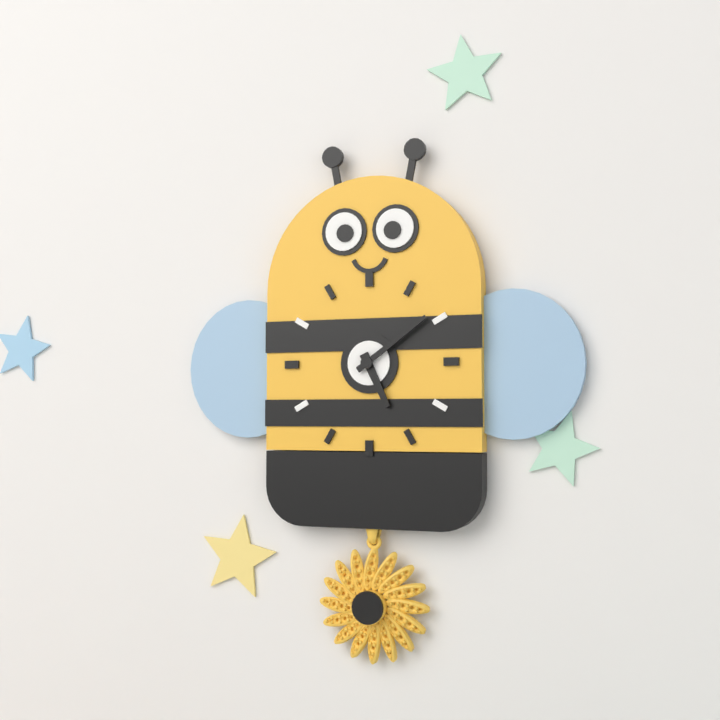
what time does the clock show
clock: 5:09
